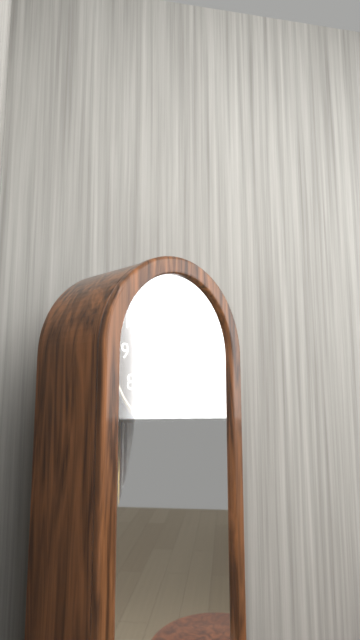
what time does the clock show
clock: 4:52
